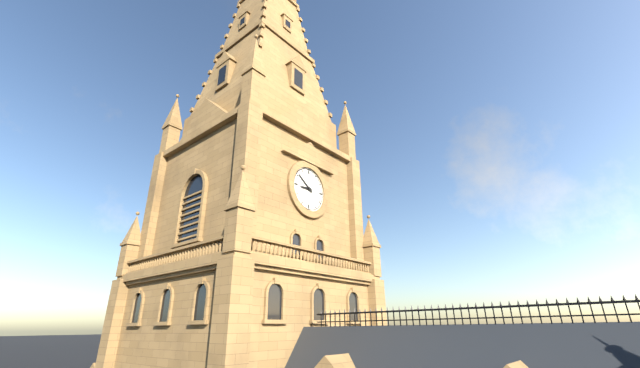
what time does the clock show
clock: 8:51
